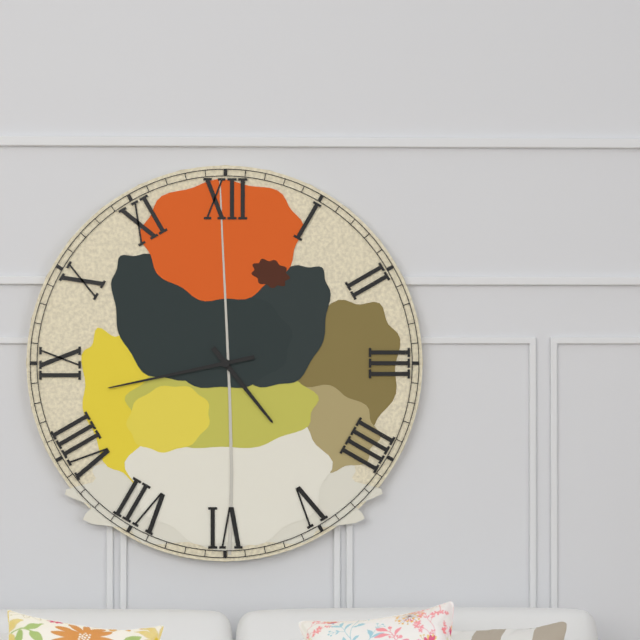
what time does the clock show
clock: 4:43
